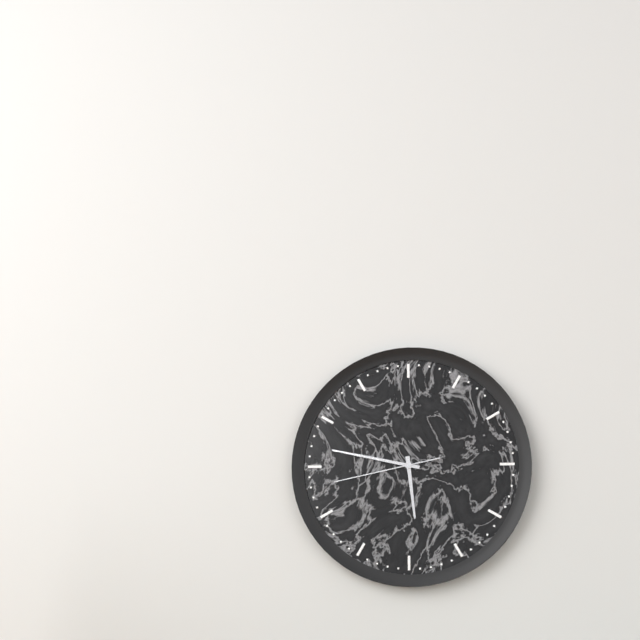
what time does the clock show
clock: 5:47:43
